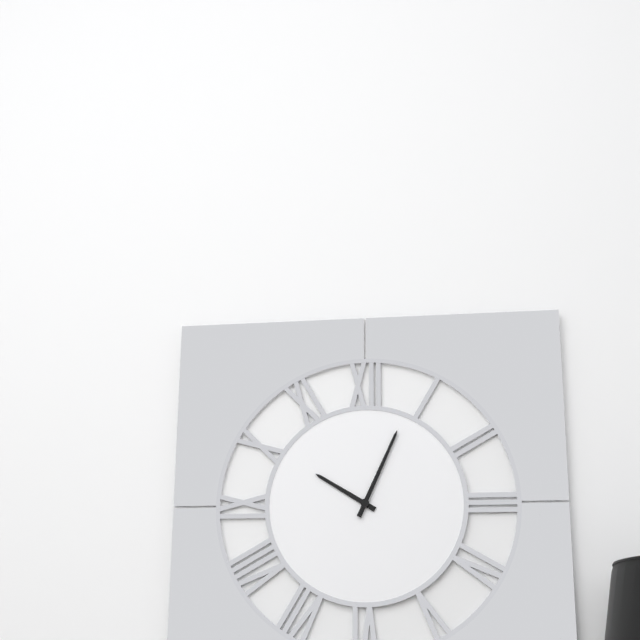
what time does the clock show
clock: 10:04
